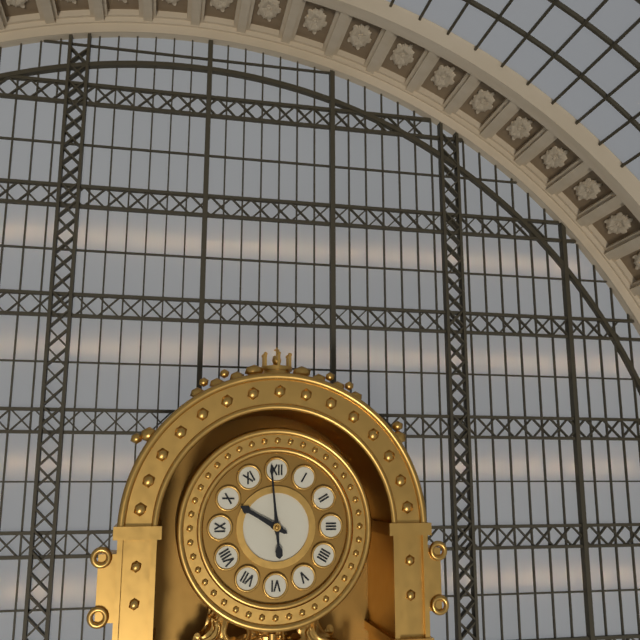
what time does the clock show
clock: 9:59
